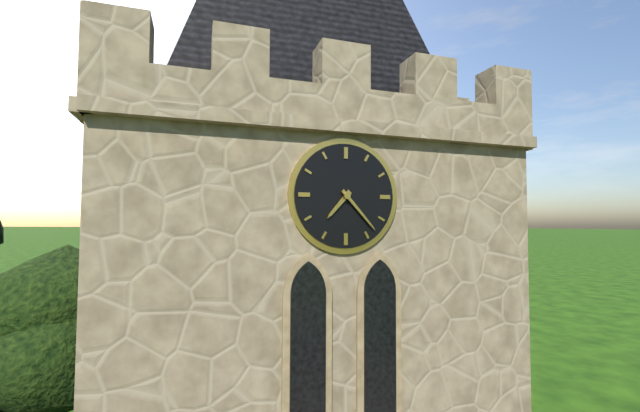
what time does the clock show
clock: 7:23
